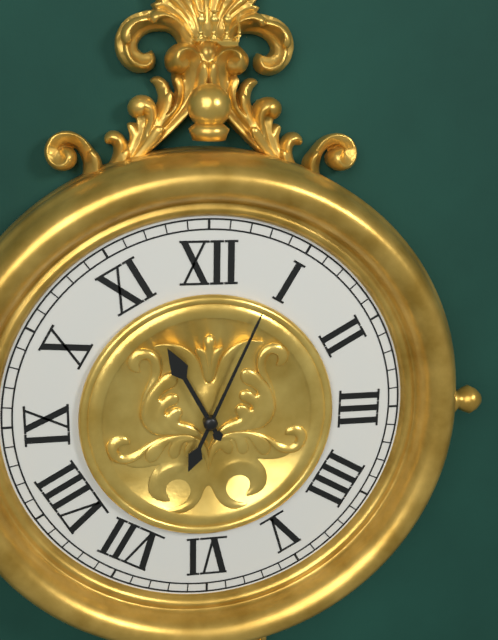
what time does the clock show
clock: 11:04
